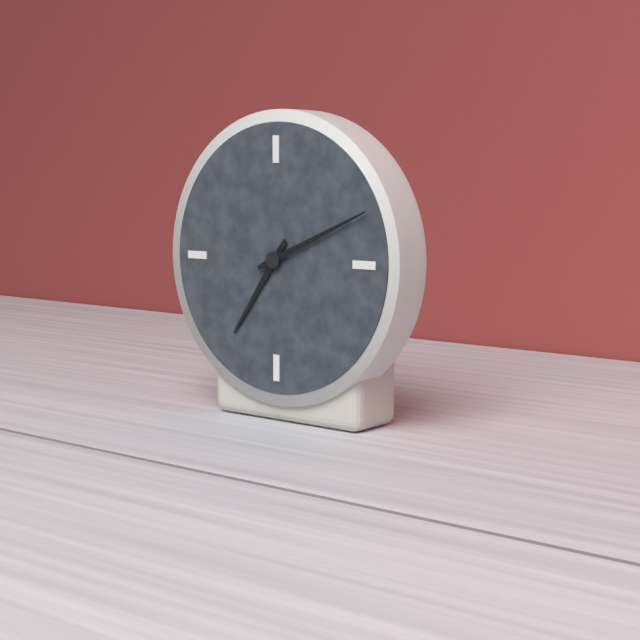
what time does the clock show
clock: 7:11
